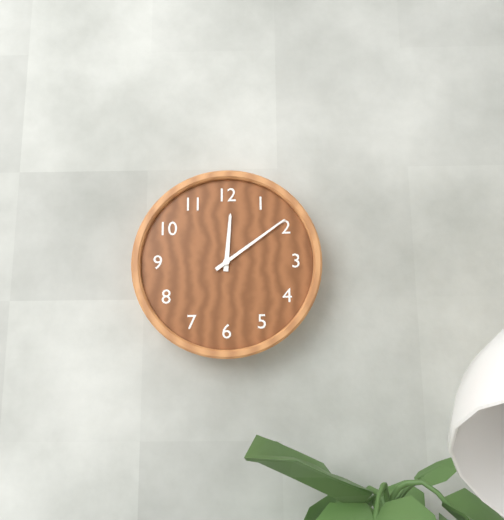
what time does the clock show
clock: 12:09
